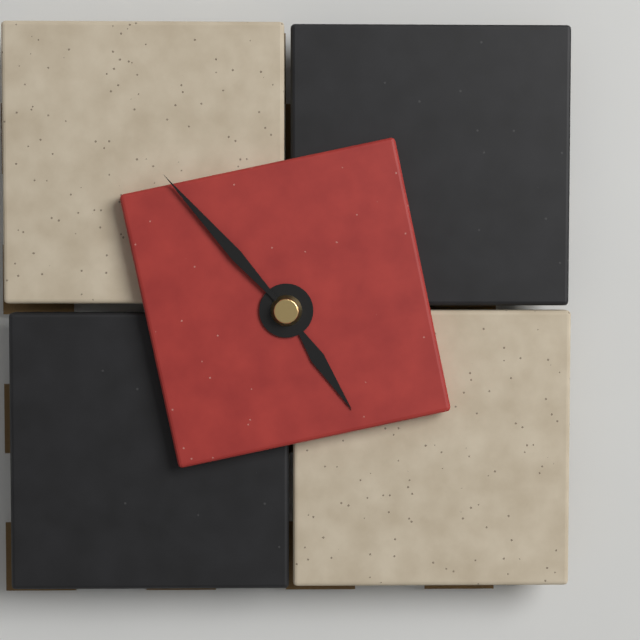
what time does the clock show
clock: 4:53
